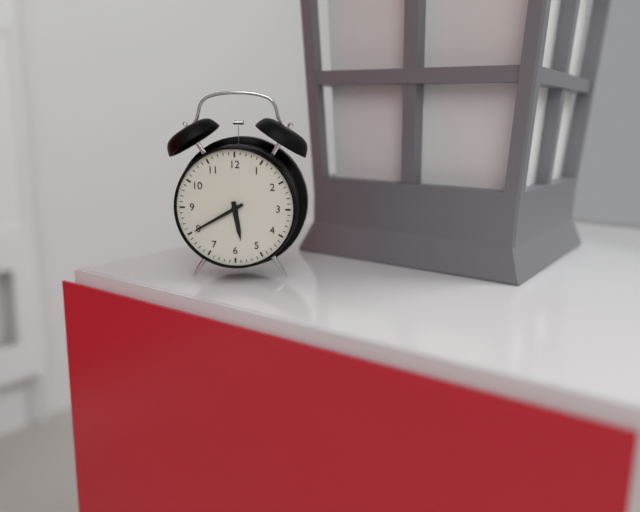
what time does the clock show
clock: 5:40
